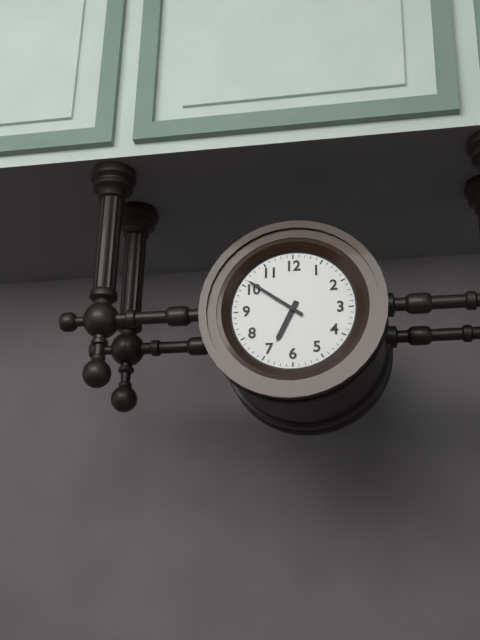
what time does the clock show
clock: 6:51
